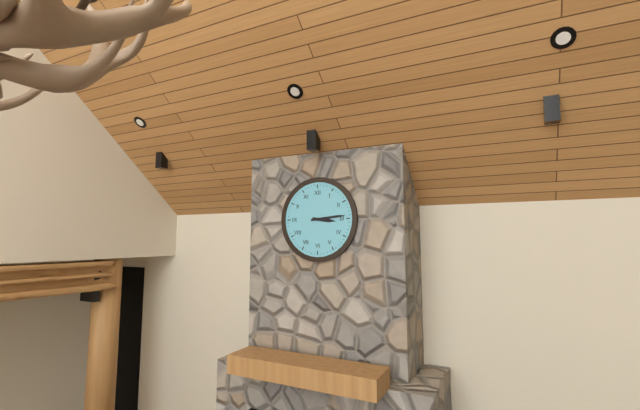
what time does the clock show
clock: 3:14
